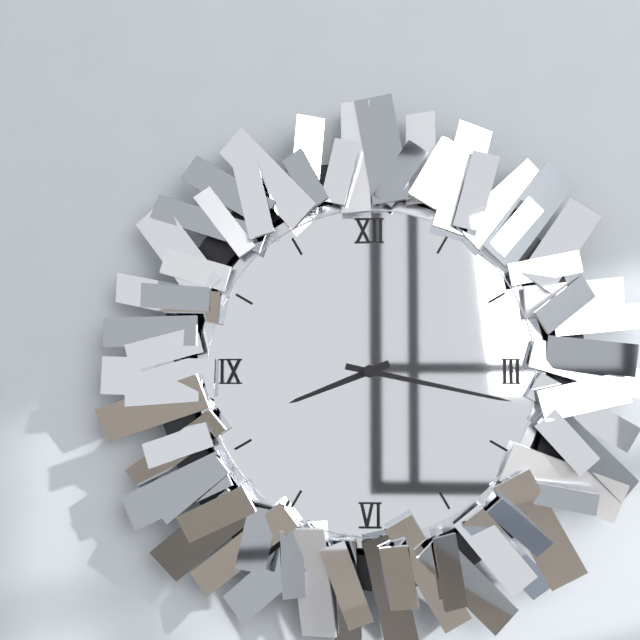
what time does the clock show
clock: 8:17
